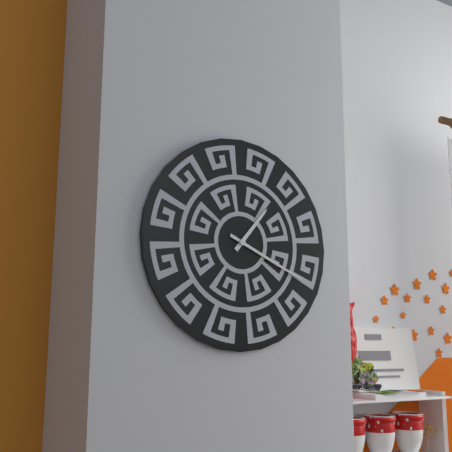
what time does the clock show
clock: 1:19
